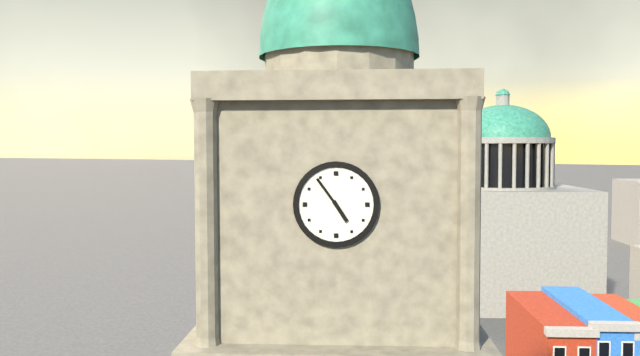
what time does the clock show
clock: 4:54
